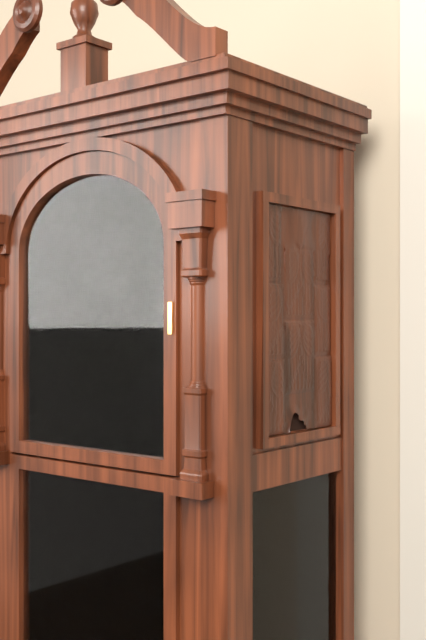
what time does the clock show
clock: 10:20
